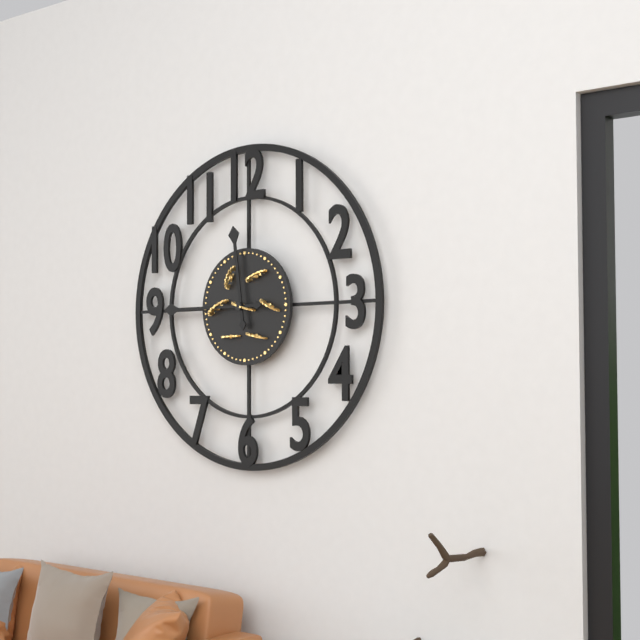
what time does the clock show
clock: 11:45
